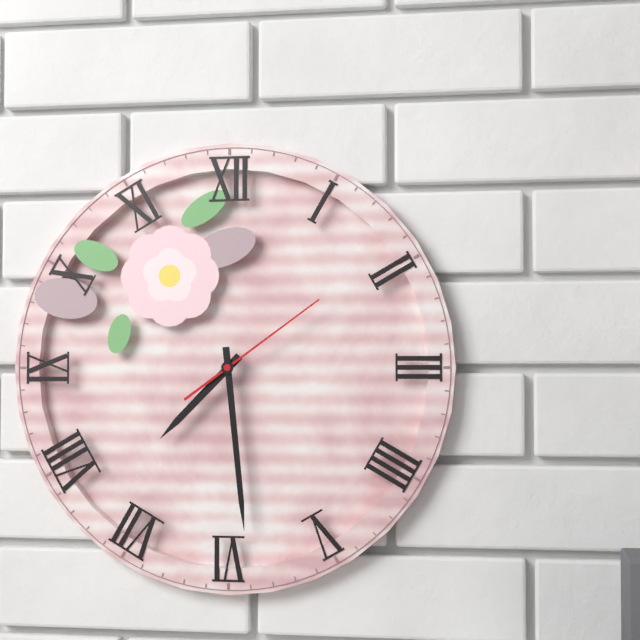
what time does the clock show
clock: 7:29:09
